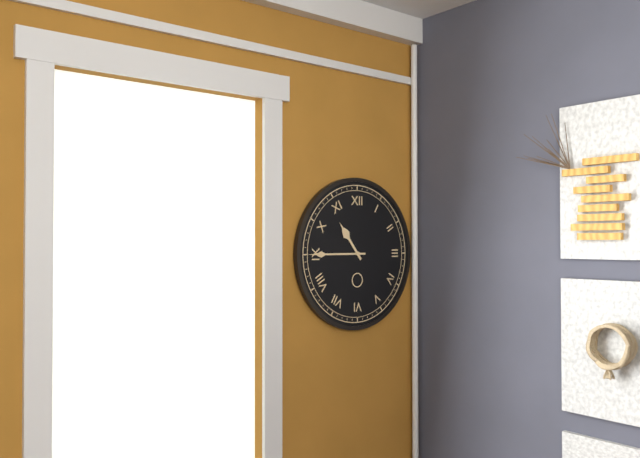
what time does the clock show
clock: 10:45
